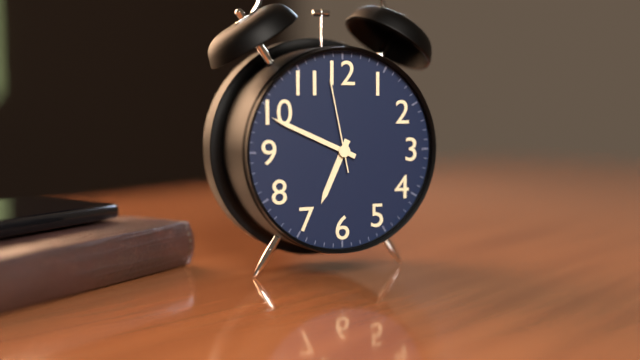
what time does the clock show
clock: 6:49:58
